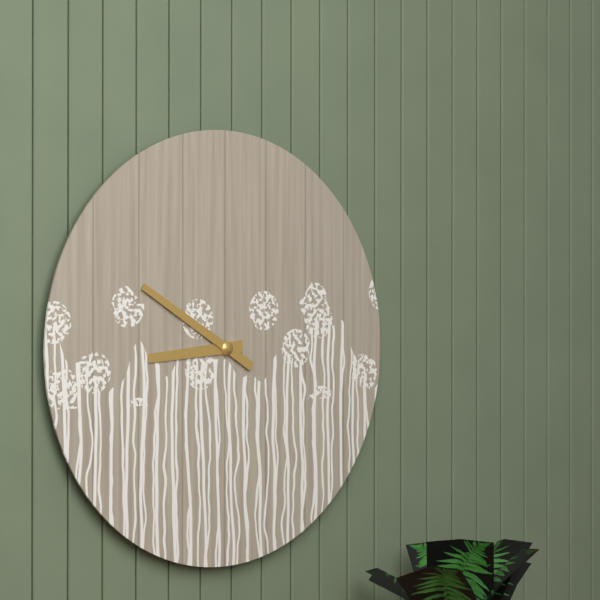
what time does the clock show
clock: 8:50
